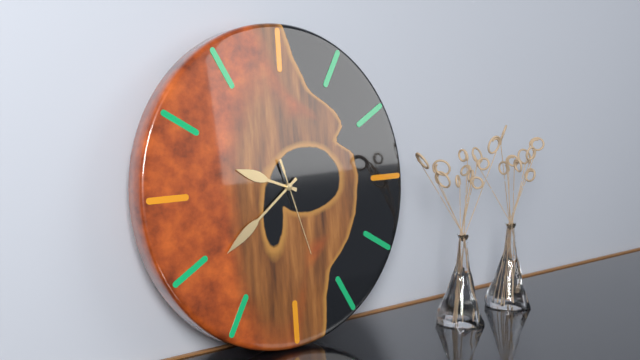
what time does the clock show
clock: 9:39:27
